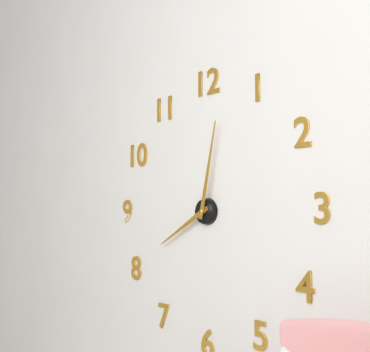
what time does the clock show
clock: 8:02
